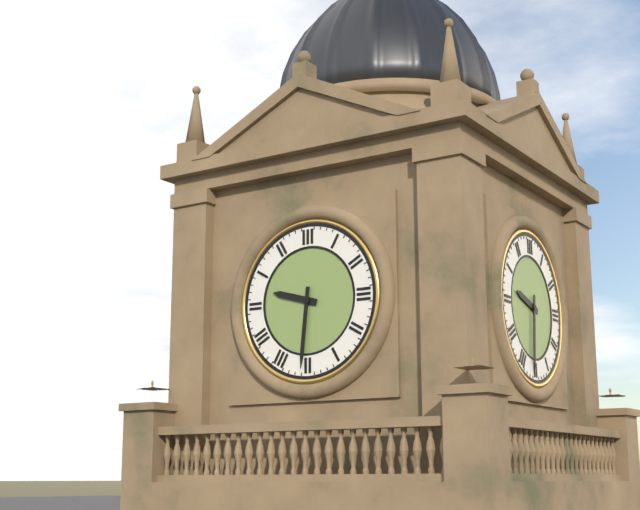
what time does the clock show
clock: 9:31
